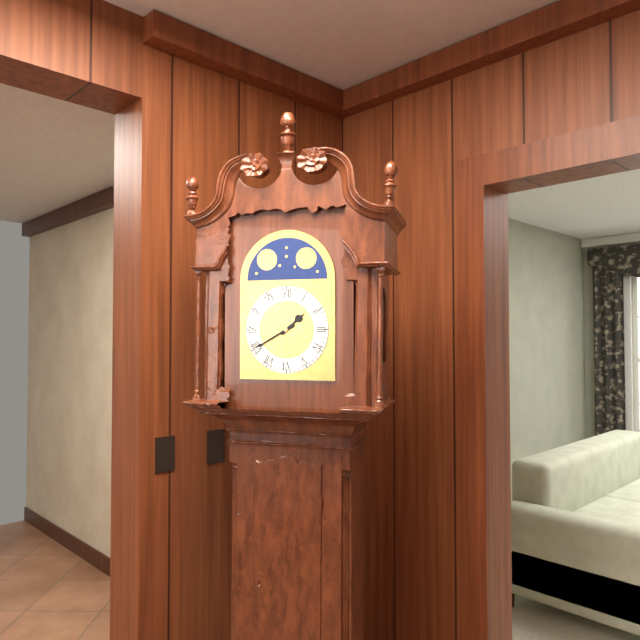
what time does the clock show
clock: 1:40
